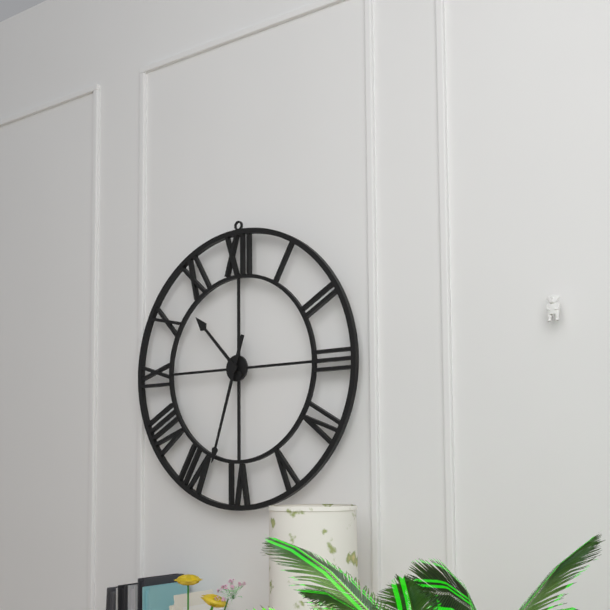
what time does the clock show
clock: 10:33
